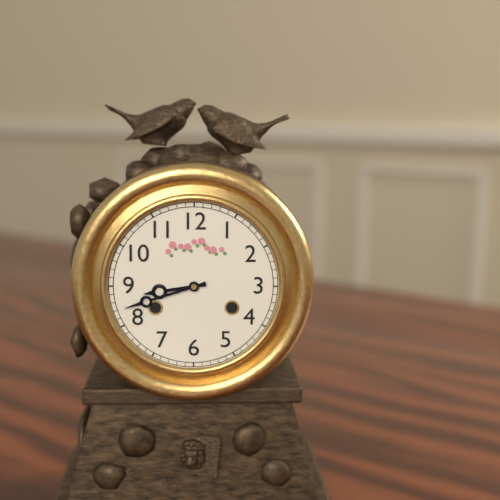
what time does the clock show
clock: 8:42
